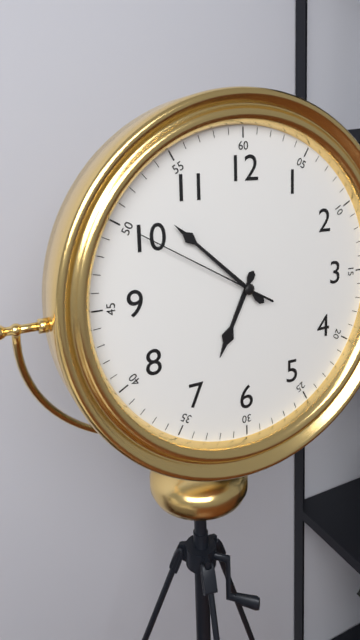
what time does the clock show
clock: 6:52:50
